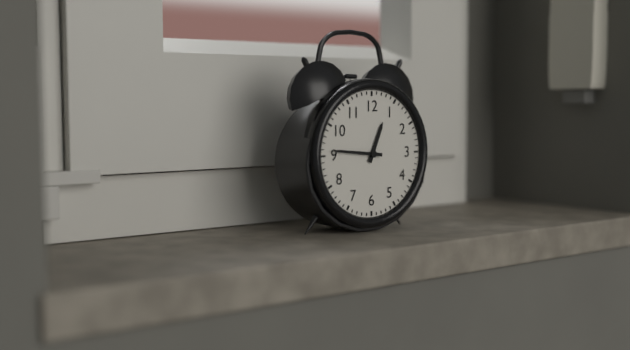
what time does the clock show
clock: 12:46
